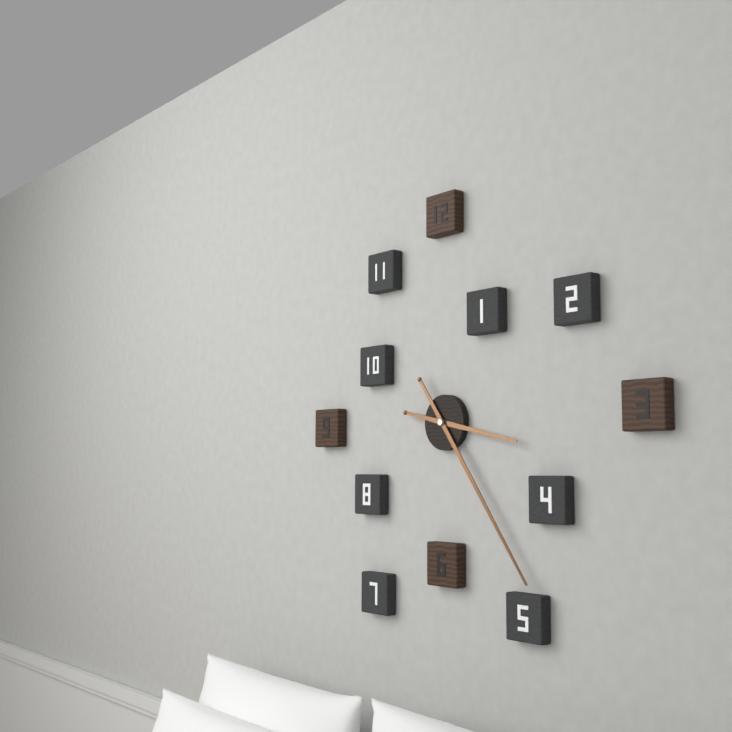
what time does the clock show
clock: 3:24
